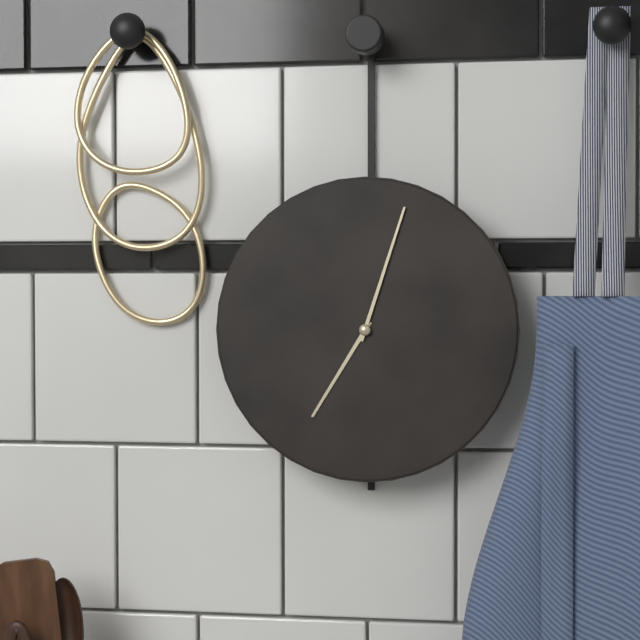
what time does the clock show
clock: 7:03
